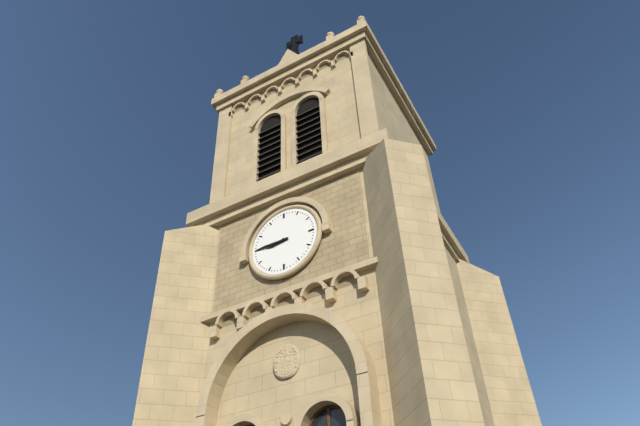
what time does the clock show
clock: 8:45
